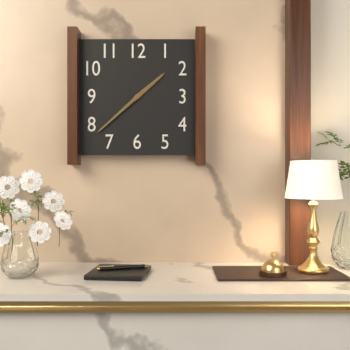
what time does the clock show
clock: 1:38
